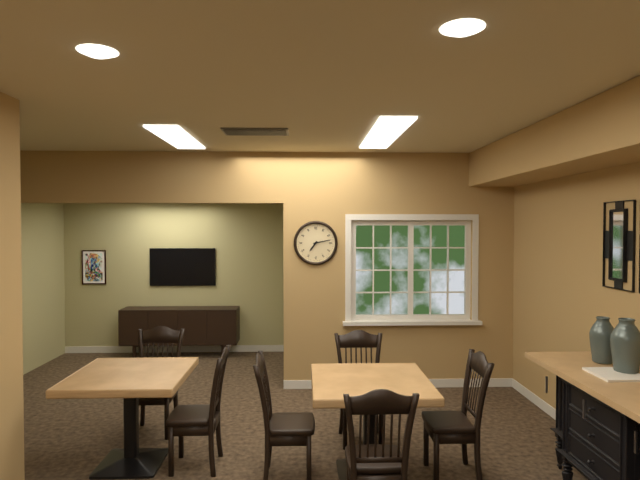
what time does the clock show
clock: 7:13
